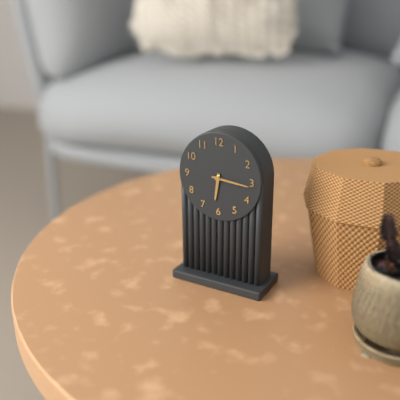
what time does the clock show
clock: 6:16
